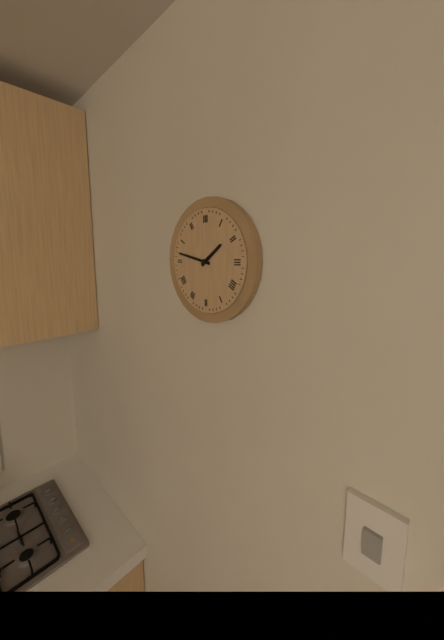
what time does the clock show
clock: 1:47
